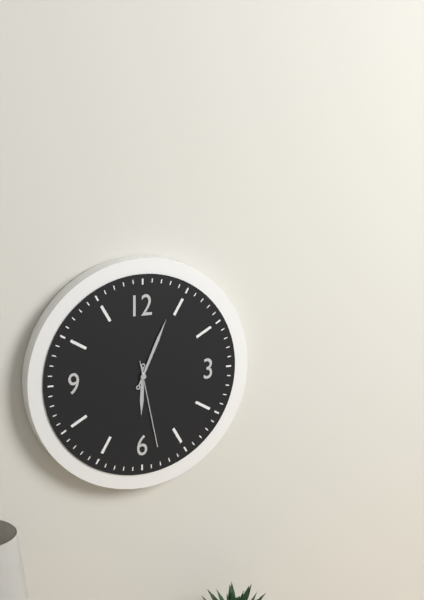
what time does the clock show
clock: 6:04:28
